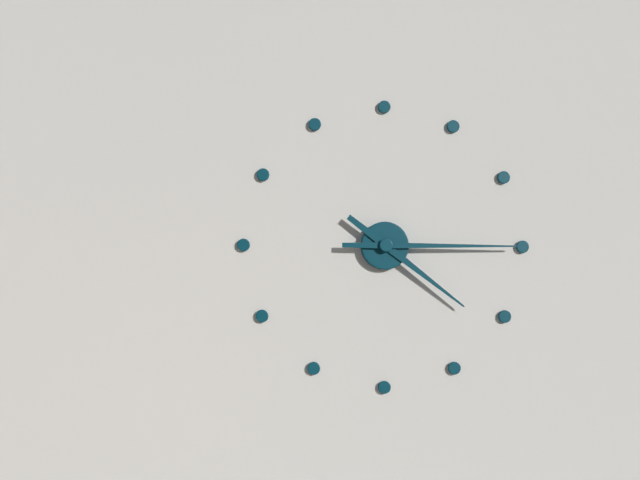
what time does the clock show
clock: 4:15
